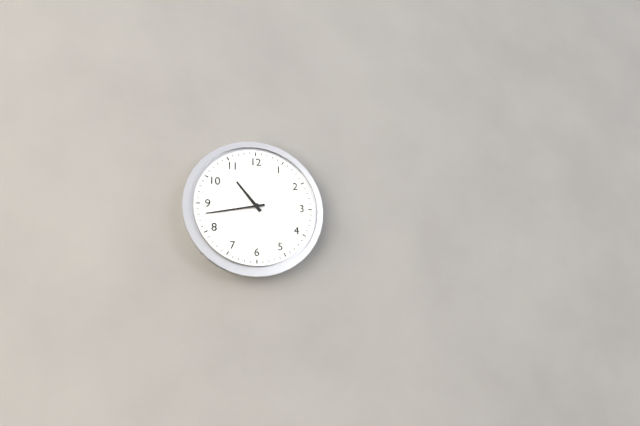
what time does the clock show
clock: 10:43
